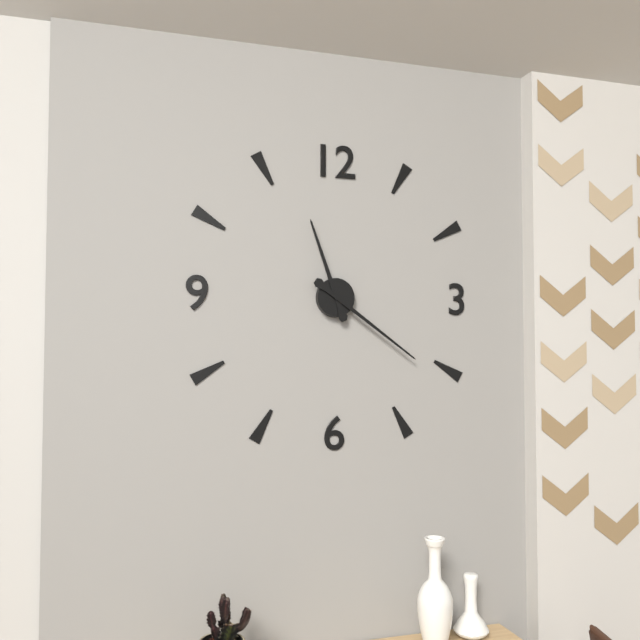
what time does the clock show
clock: 11:21
